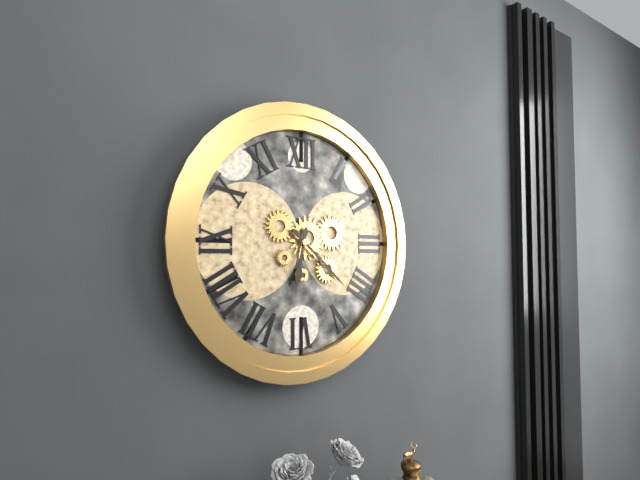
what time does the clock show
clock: 6:22
